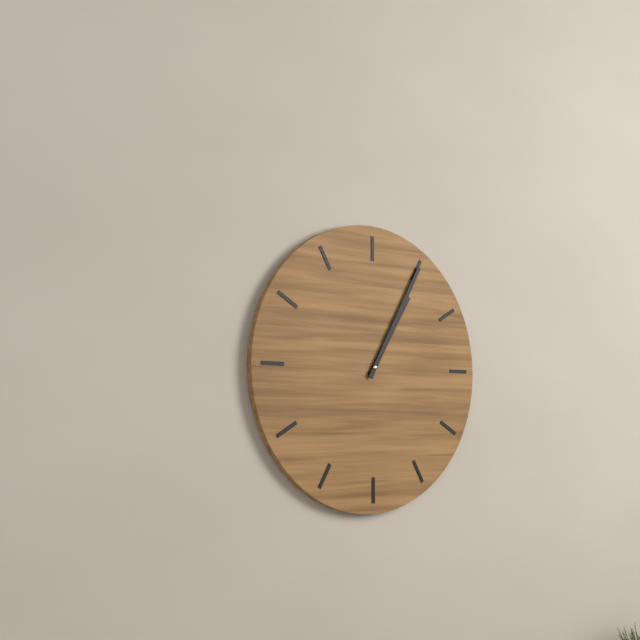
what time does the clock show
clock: 1:05
